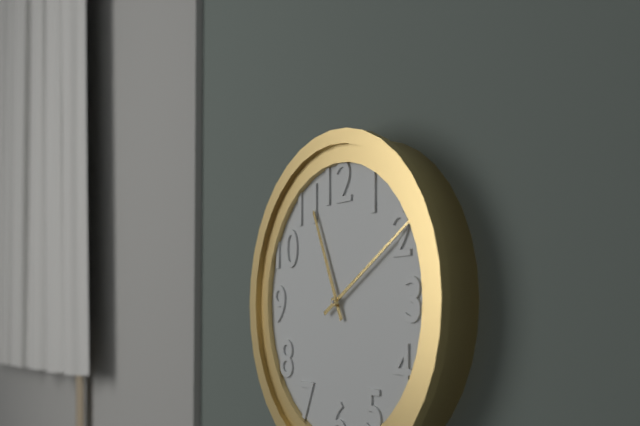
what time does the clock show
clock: 11:10
